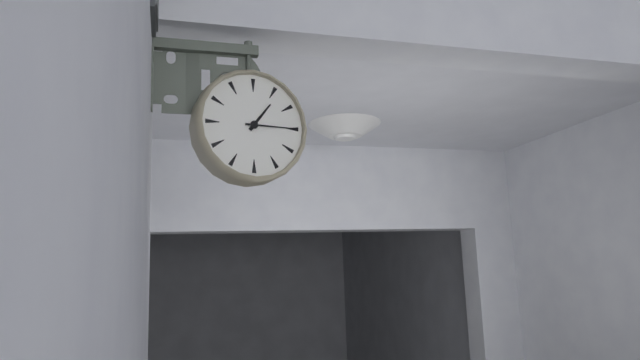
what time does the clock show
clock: 1:15
